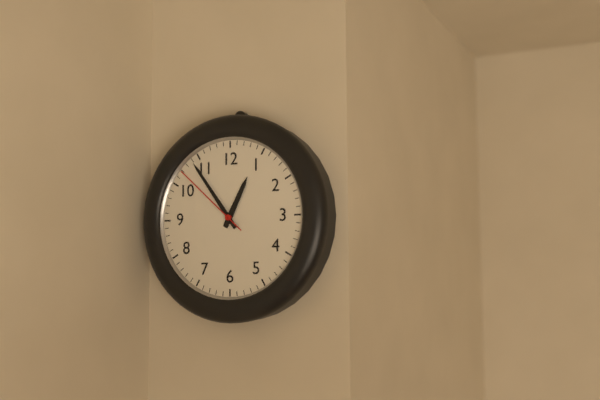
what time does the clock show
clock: 12:54:52
